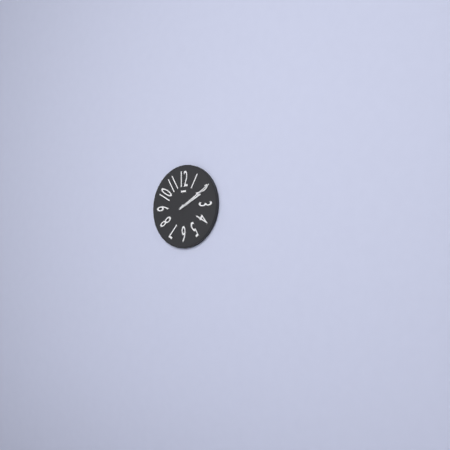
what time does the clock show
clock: 2:10
